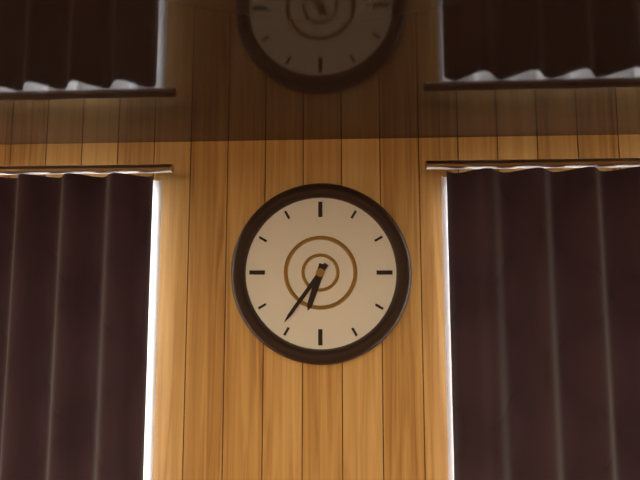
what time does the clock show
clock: 6:36
